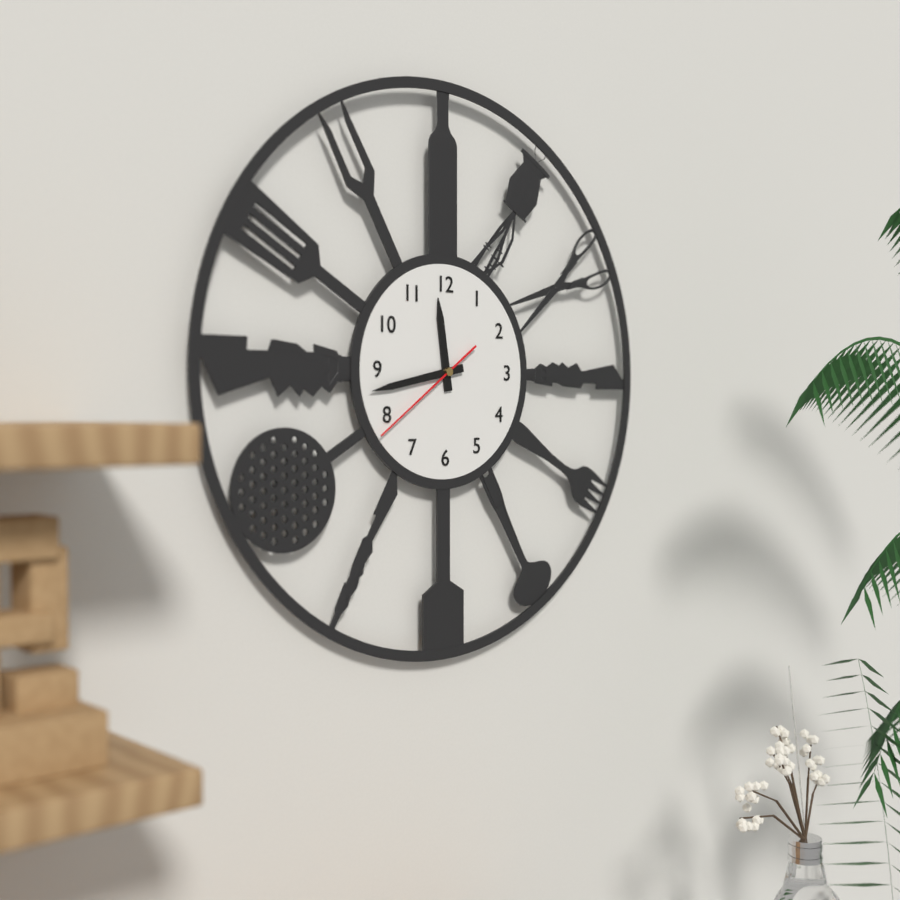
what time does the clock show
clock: 11:43:39
